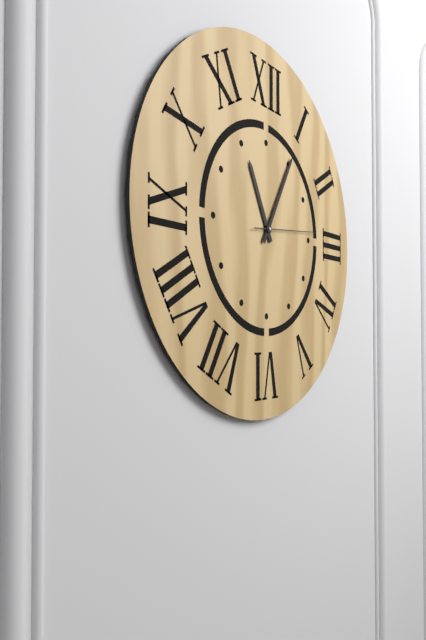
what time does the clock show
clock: 11:05:14
